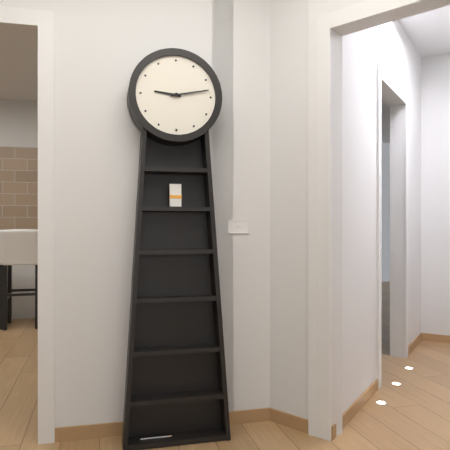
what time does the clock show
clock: 9:13
